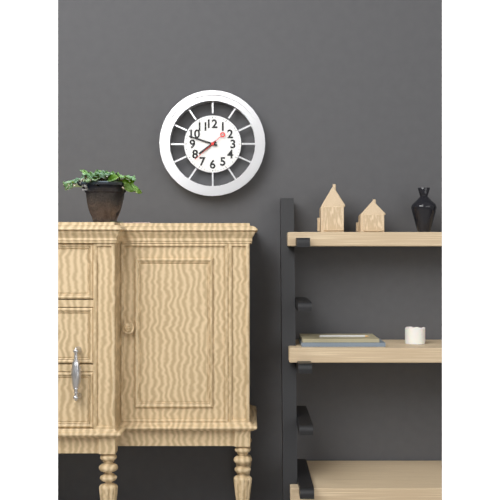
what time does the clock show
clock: 7:48
